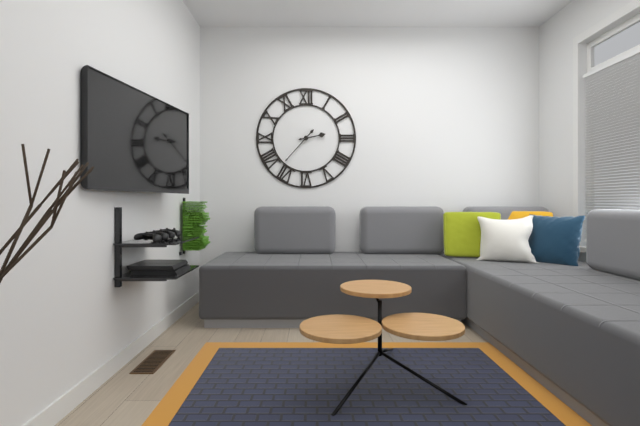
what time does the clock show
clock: 2:37
